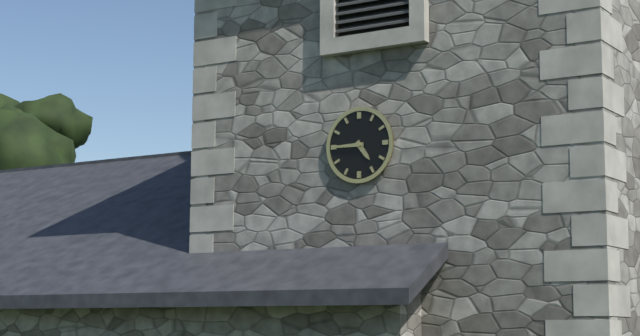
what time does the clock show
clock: 4:45
